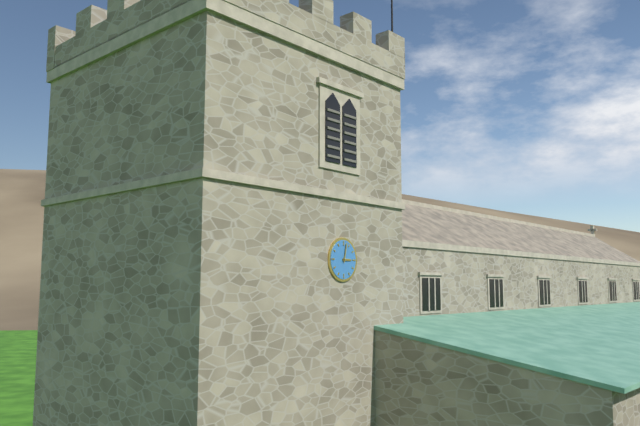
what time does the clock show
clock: 3:02
